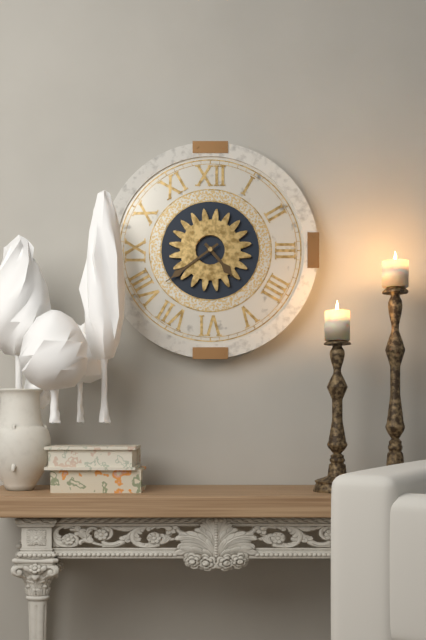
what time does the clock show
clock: 4:39
